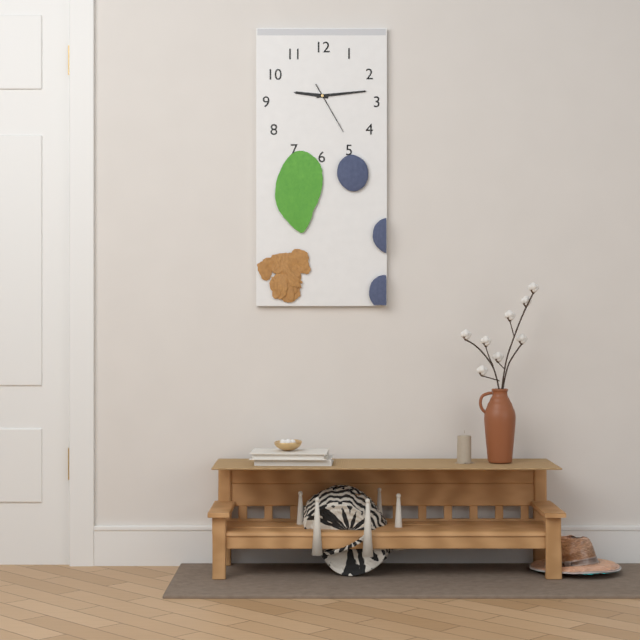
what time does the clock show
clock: 9:14:25
